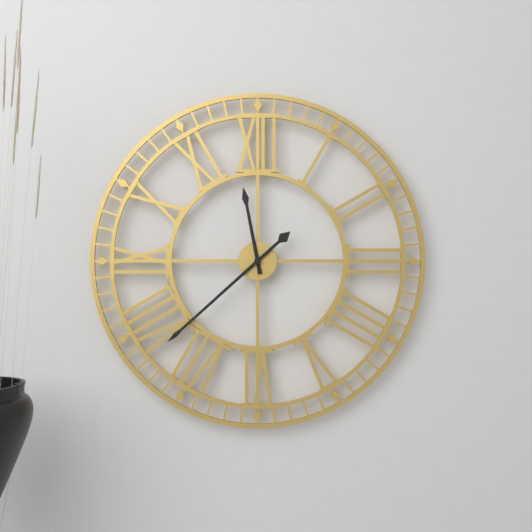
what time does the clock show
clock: 11:38
